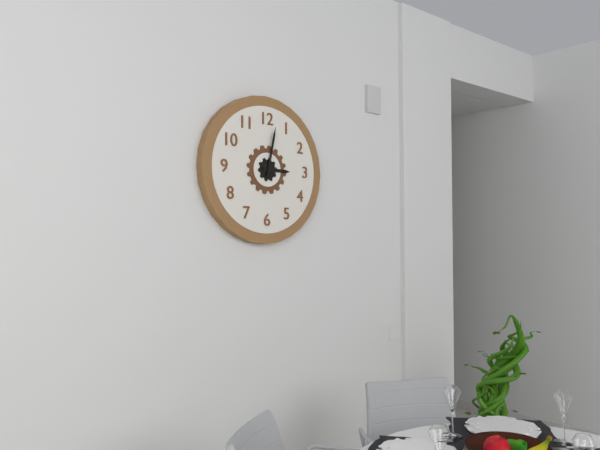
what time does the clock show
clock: 3:02
